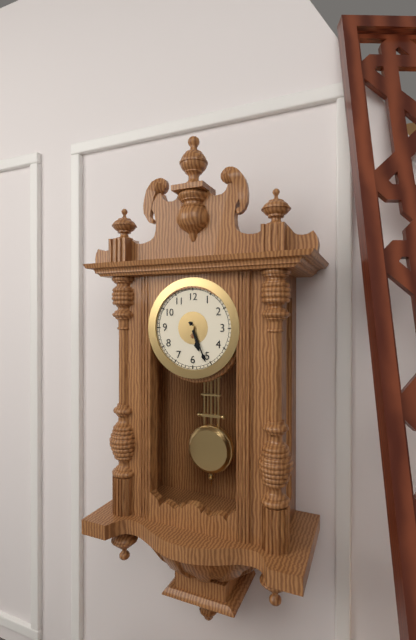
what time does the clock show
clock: 5:26
